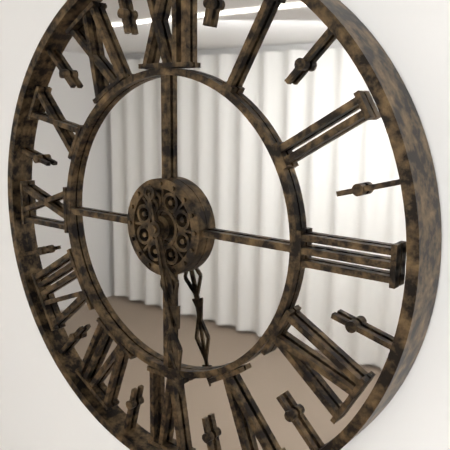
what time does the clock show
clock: 5:28
